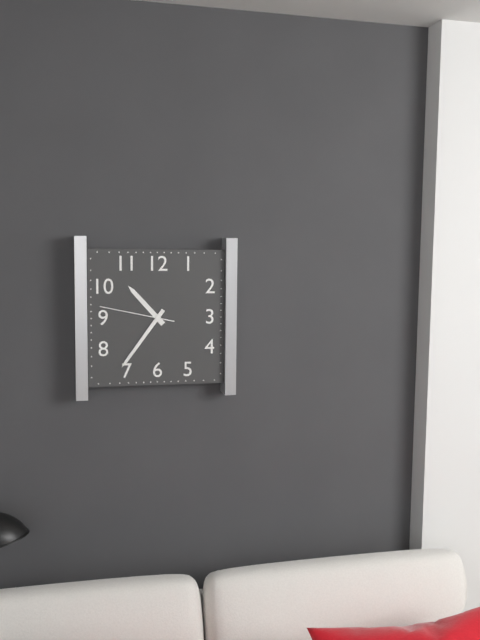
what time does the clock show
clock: 10:36:47
